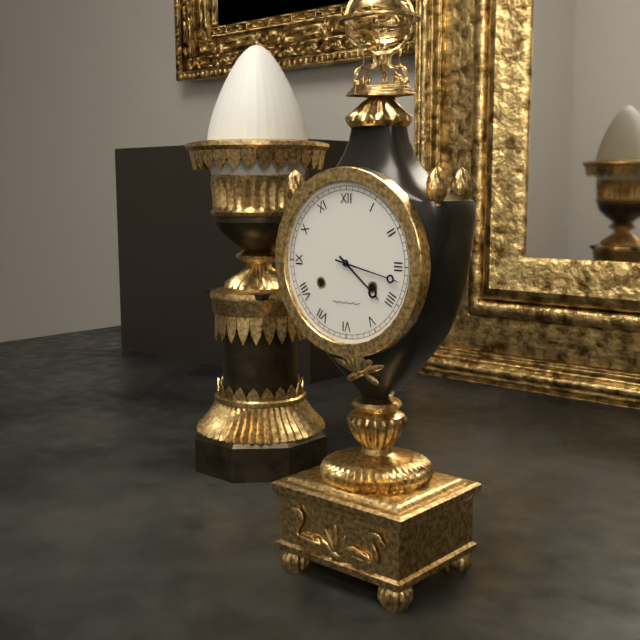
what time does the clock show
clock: 4:17
